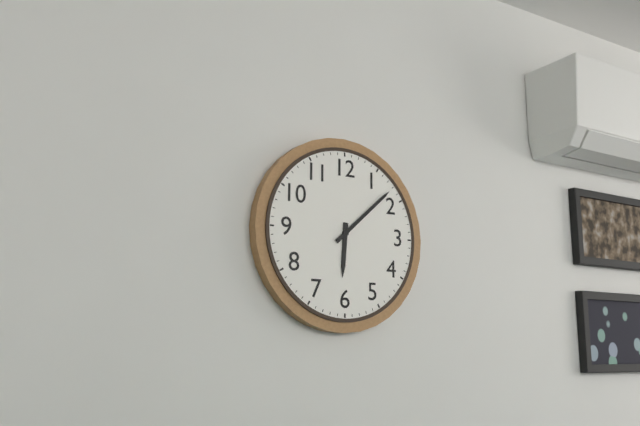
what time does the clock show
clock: 6:08
